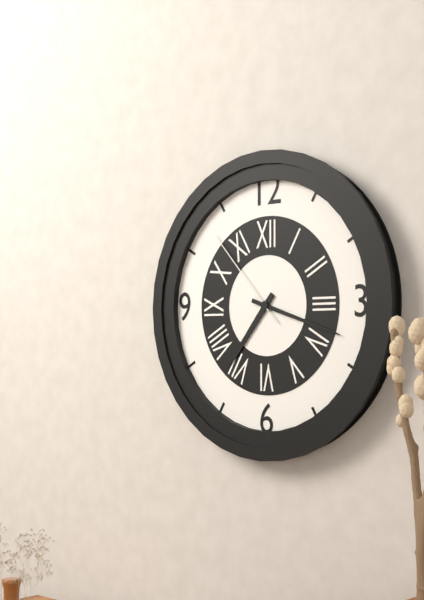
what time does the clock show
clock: 7:18:53
